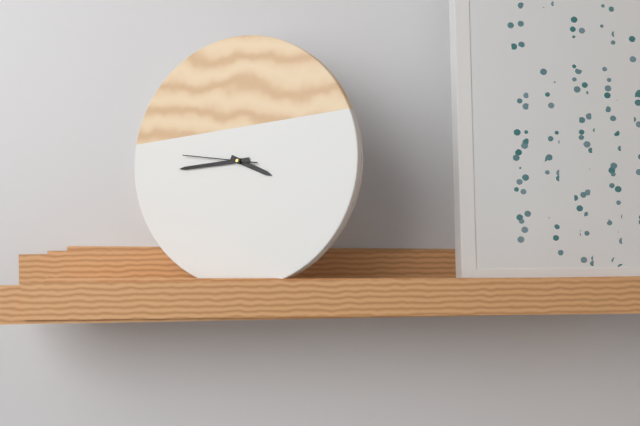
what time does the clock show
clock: 3:44:46
